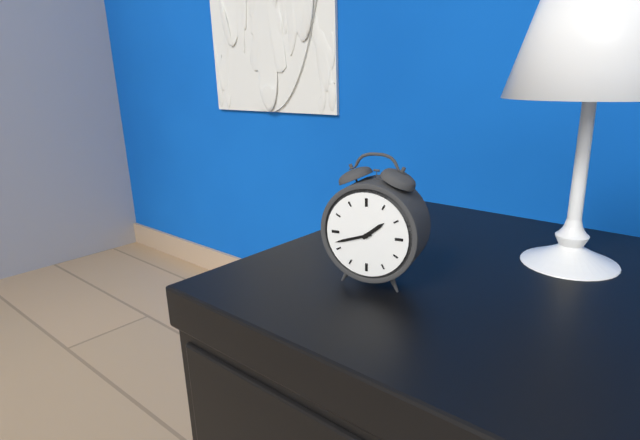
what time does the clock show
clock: 1:42
